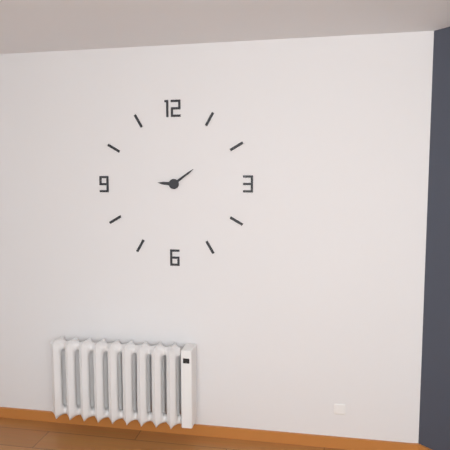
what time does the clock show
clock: 9:09
